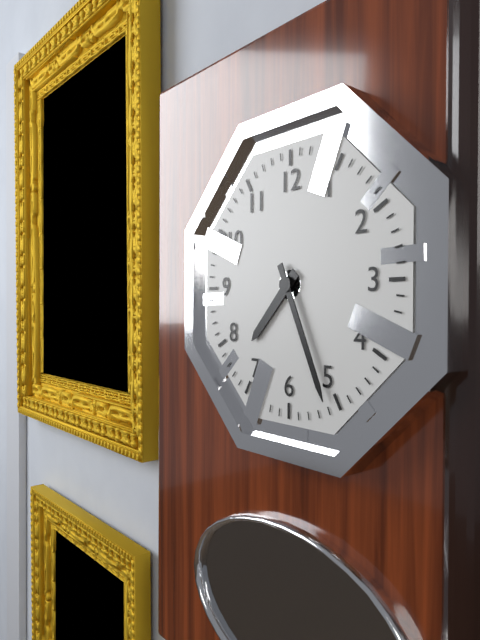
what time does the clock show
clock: 7:26
